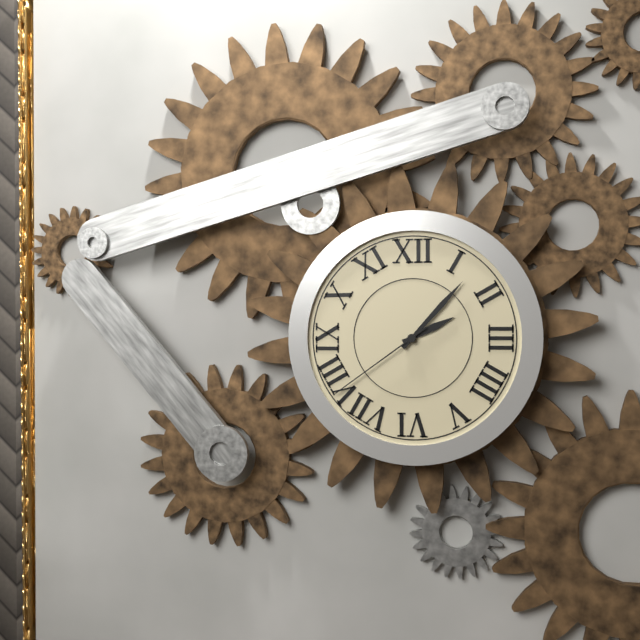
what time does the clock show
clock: 2:07:39
